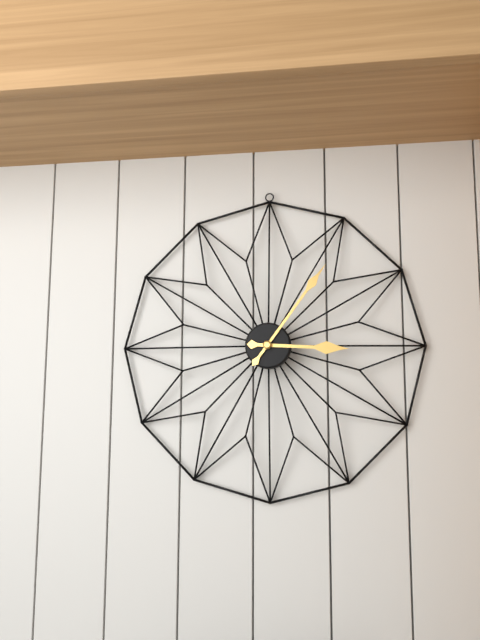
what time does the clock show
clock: 3:06
